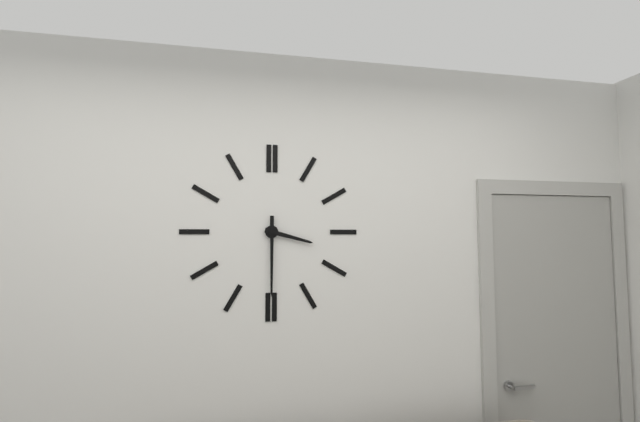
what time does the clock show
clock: 3:30
